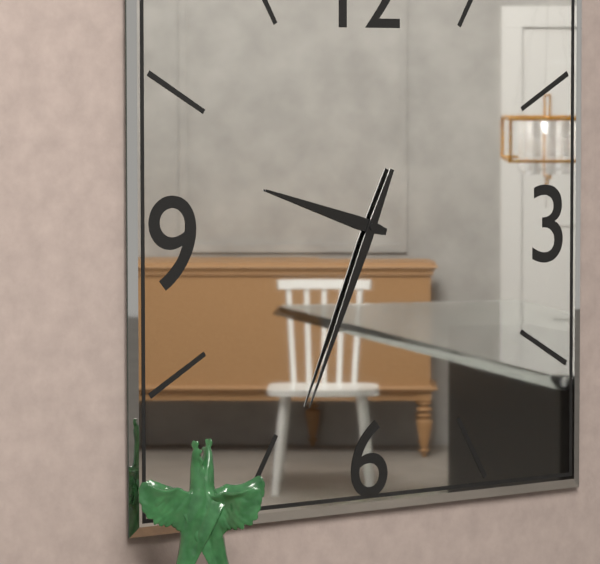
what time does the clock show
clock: 9:34
